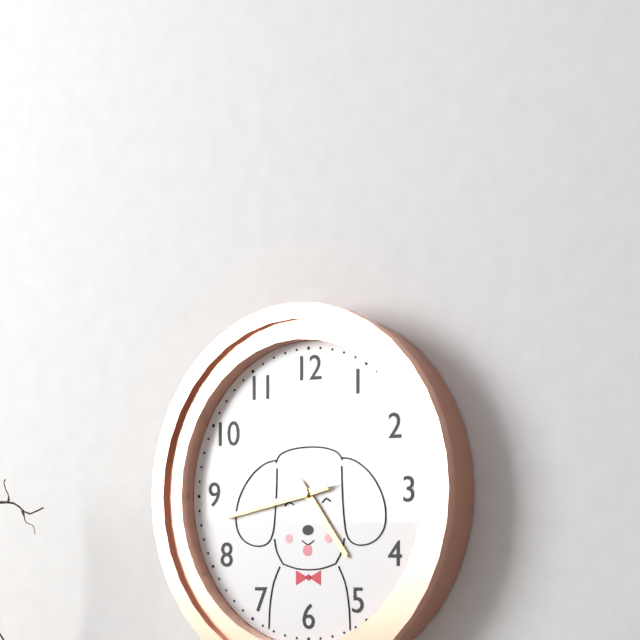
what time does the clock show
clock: 4:43:43
